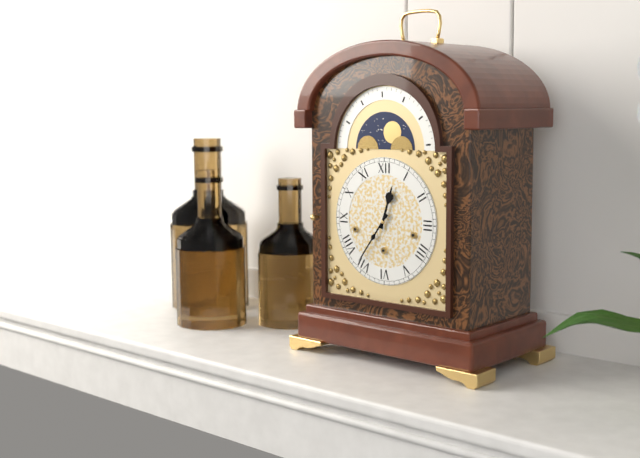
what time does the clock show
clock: 12:36
